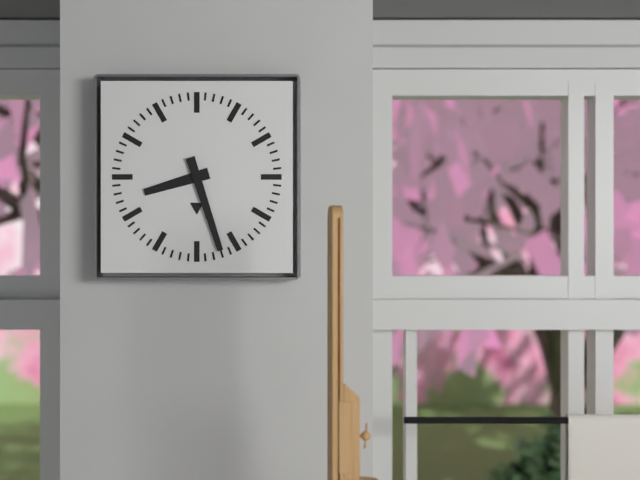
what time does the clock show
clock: 8:27
